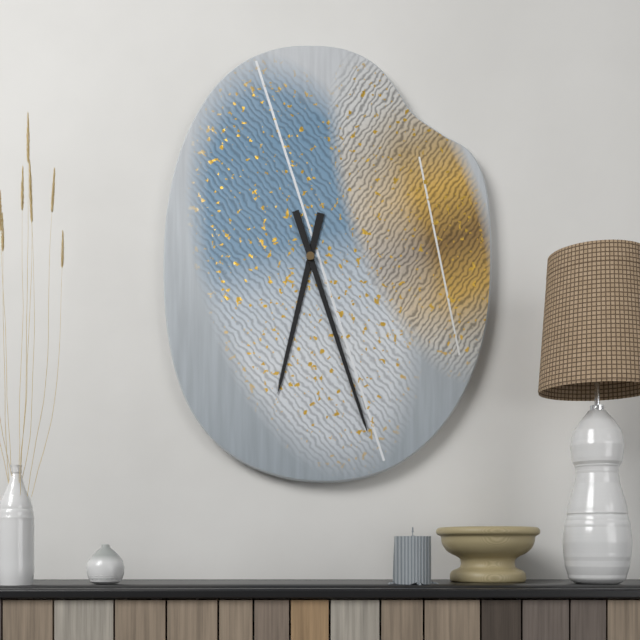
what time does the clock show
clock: 6:27
